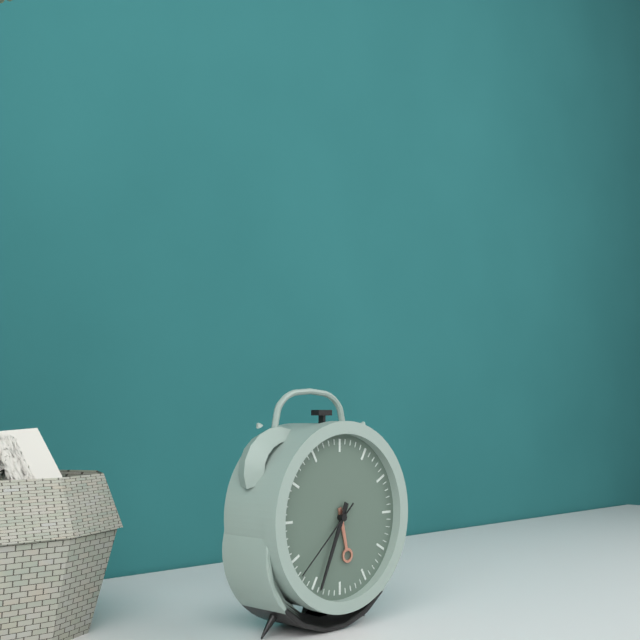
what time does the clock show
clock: 5:34:38
